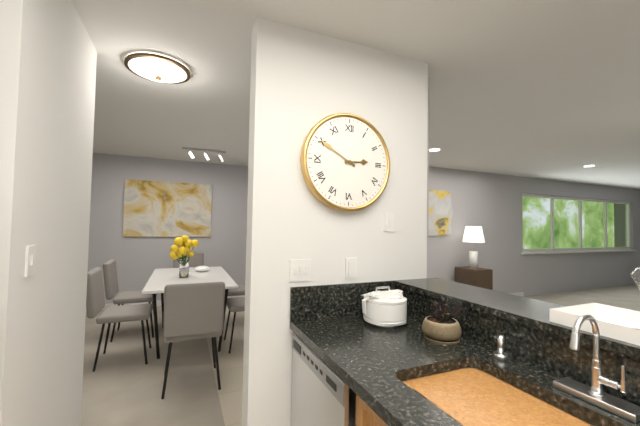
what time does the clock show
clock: 2:50
